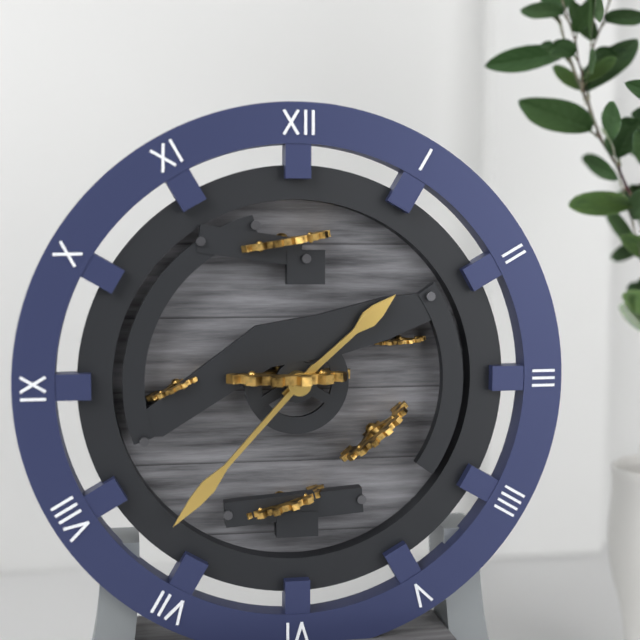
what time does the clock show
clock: 1:37
